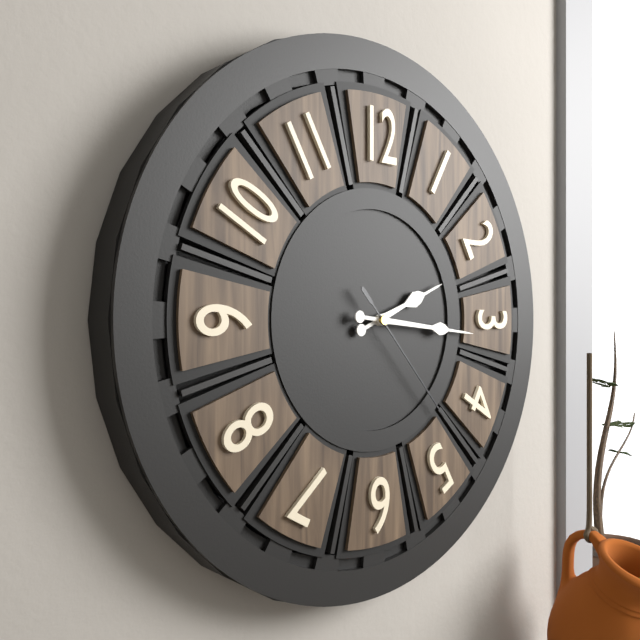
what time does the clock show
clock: 2:16:23
